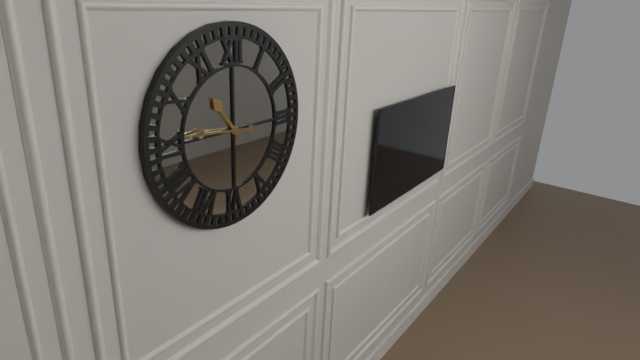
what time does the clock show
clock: 10:46
